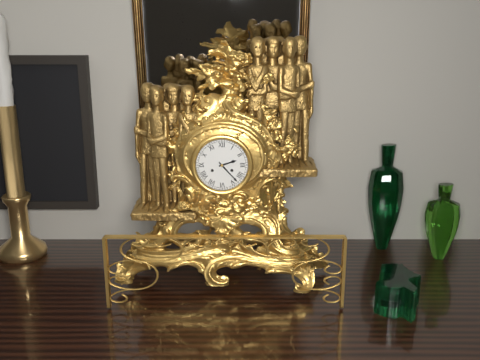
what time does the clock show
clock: 2:23
